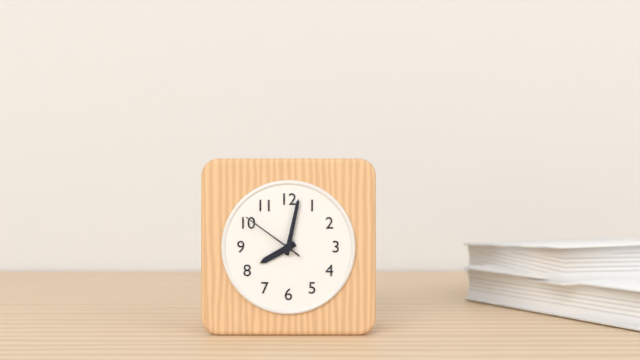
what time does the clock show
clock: 8:02:51
